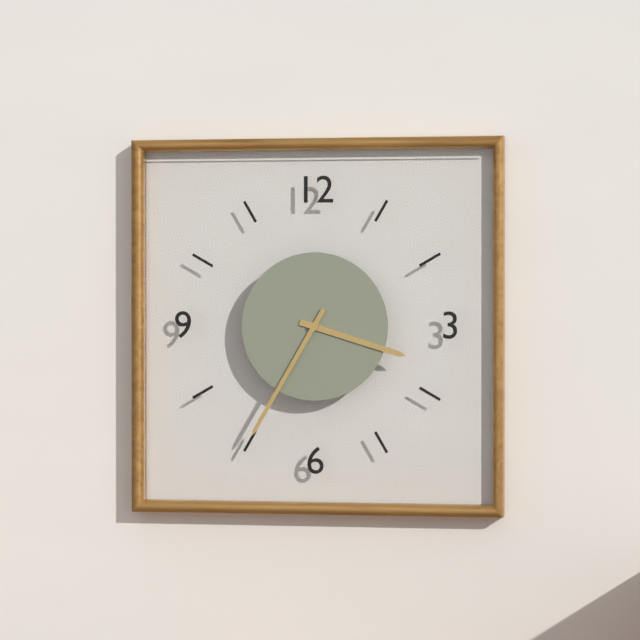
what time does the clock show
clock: 3:35
